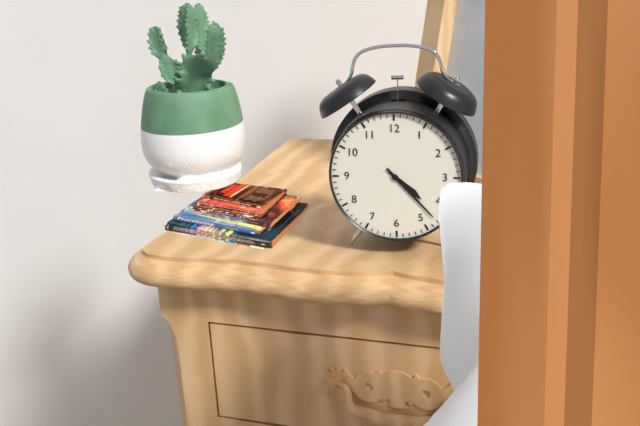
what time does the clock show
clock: 4:23
